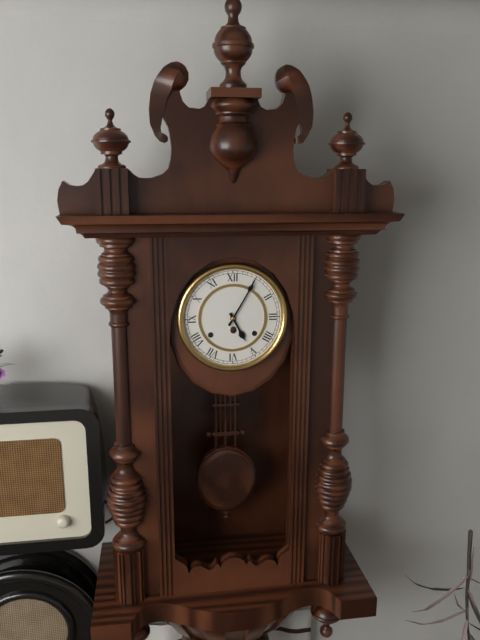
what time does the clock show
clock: 5:05
